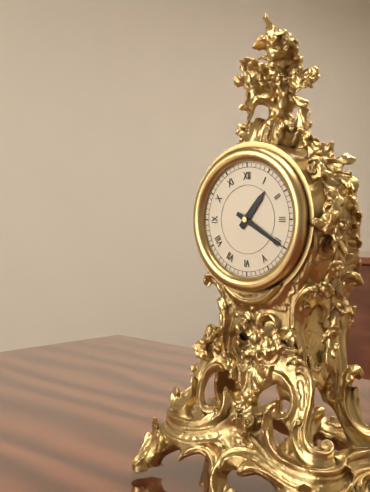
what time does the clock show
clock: 1:20
